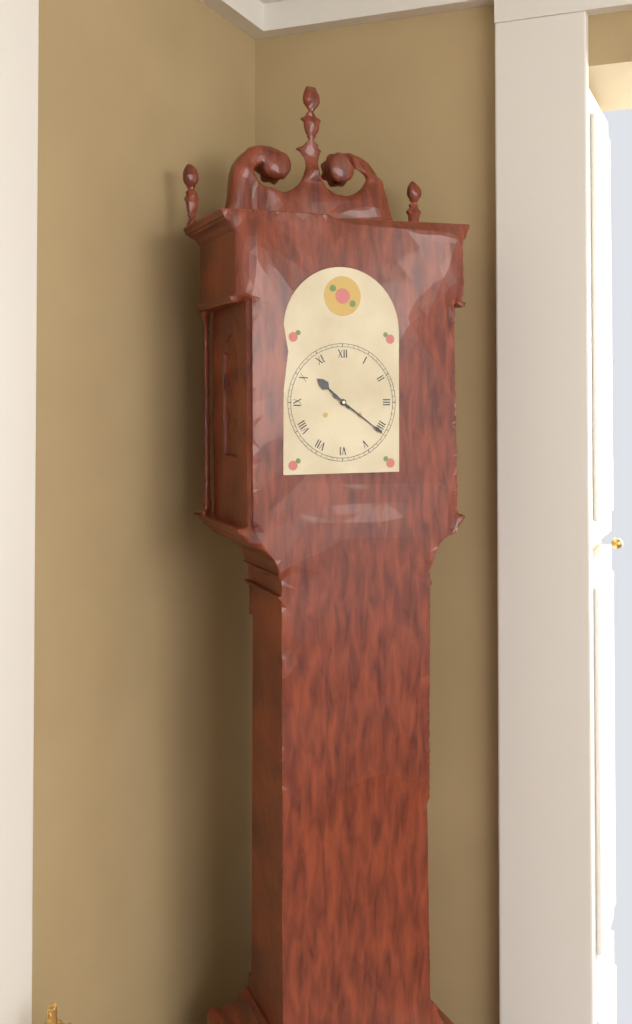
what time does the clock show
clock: 10:21
